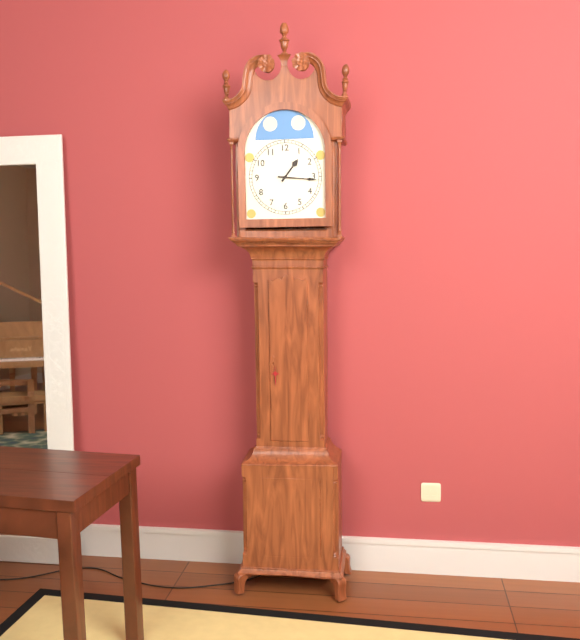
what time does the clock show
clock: 1:16
